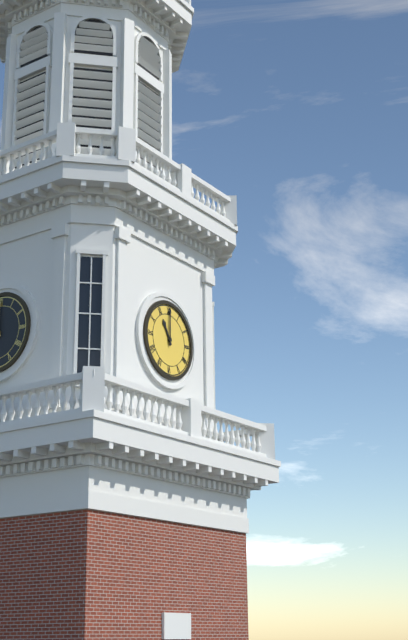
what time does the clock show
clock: 11:00
